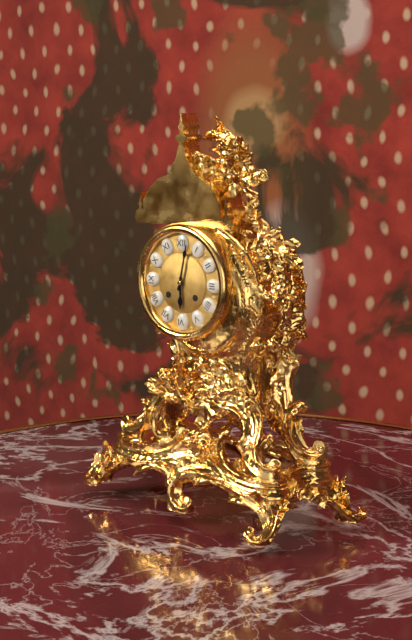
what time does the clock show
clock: 6:02
